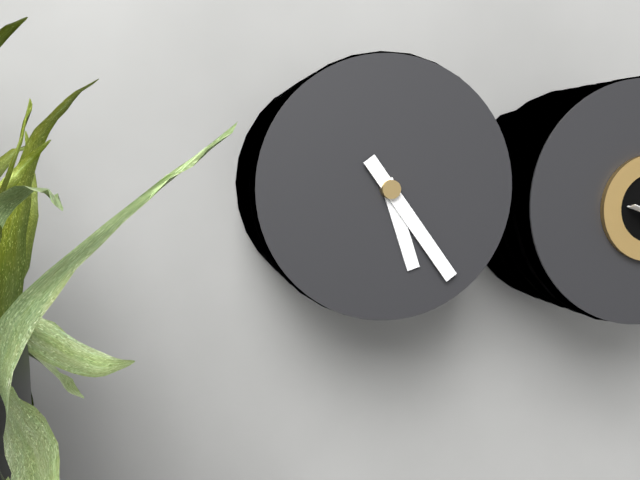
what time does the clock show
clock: 5:24
